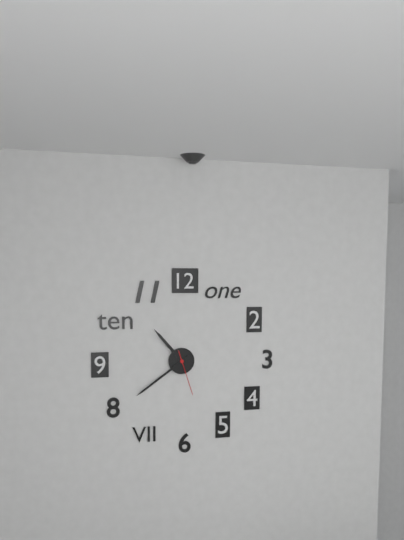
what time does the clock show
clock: 10:39
